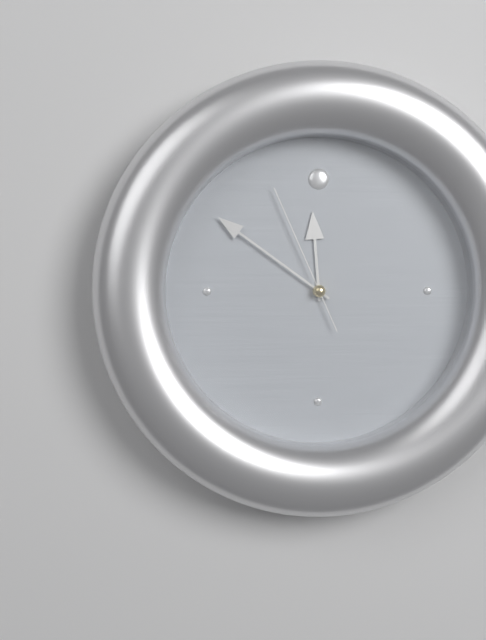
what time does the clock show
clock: 11:51:56
